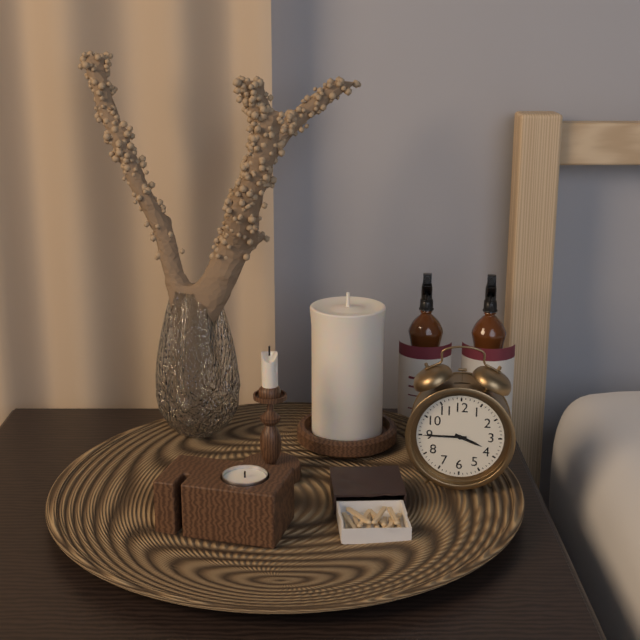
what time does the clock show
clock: 3:45
